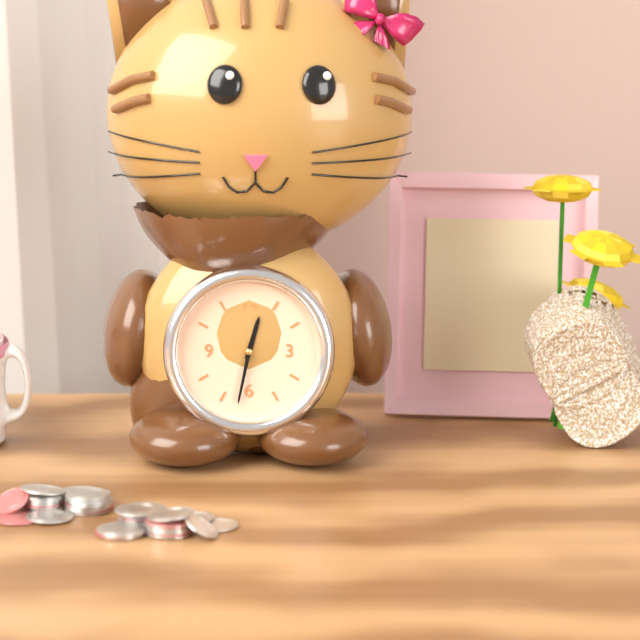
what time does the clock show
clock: 12:32
